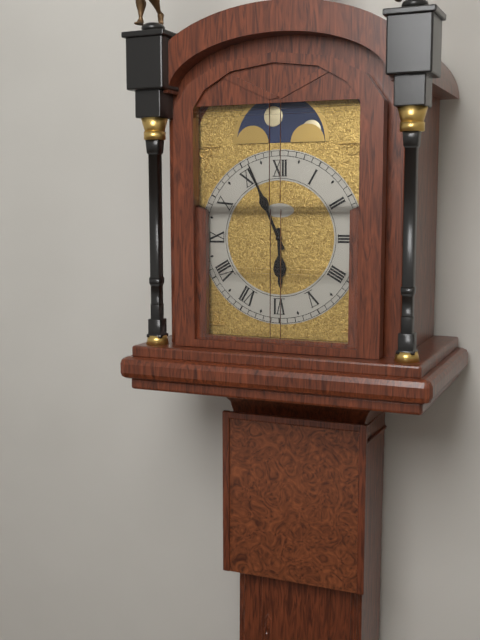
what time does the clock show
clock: 5:56
